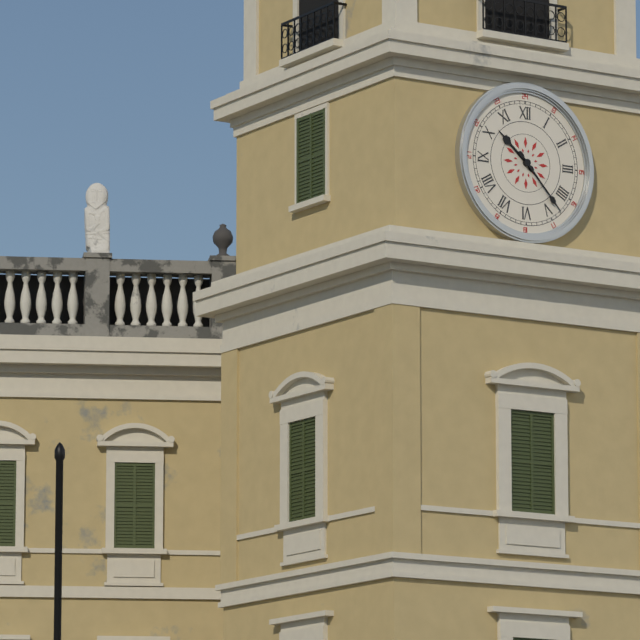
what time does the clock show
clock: 10:23
